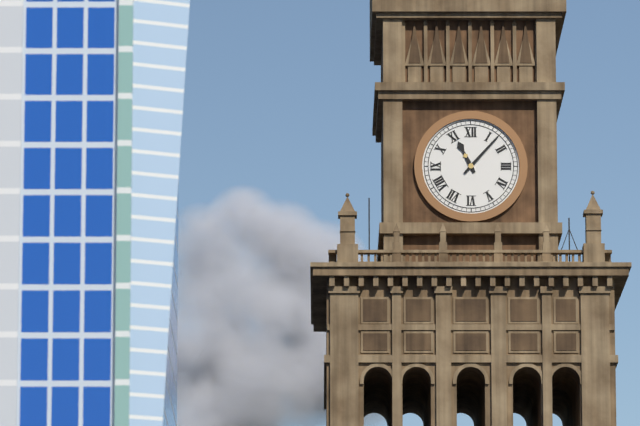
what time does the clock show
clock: 11:07
